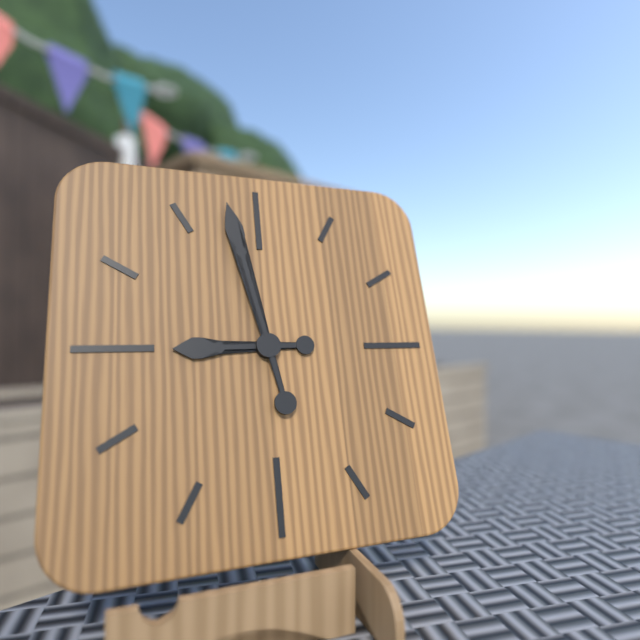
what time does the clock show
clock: 8:58
